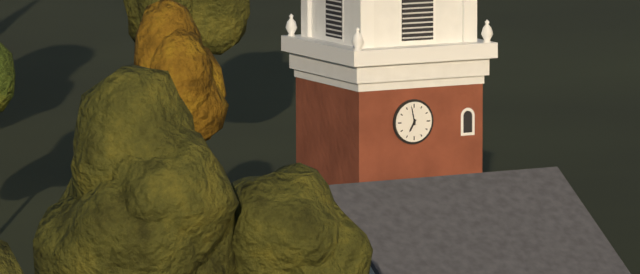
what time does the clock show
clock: 6:58
